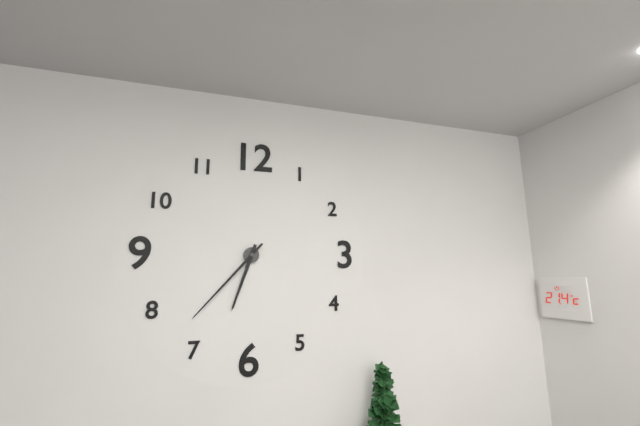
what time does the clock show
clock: 6:37
